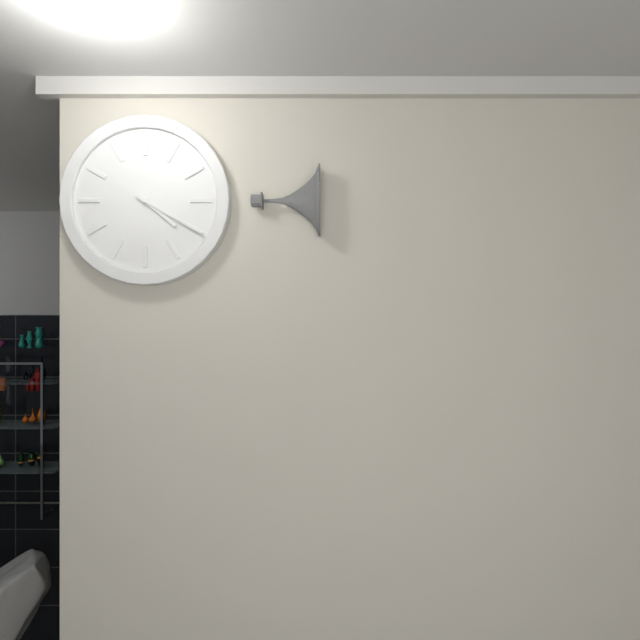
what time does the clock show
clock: 4:20
